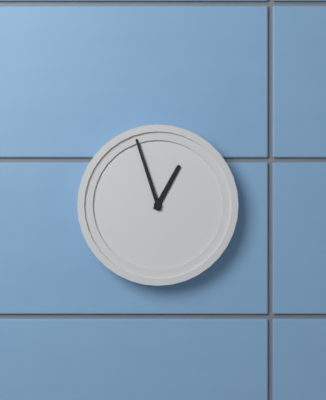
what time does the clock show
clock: 12:57
